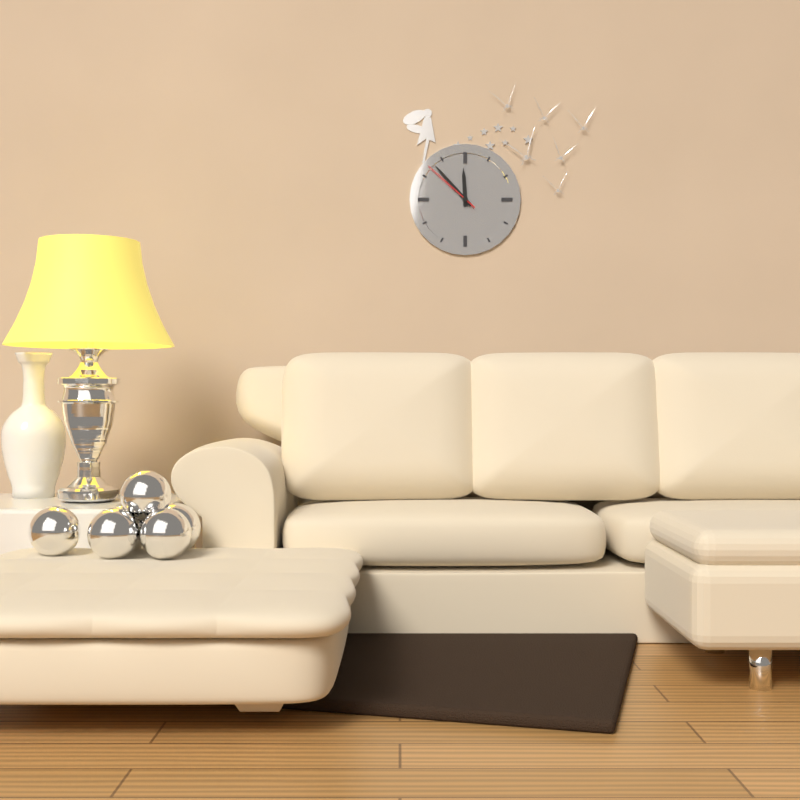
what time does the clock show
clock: 11:53:52
